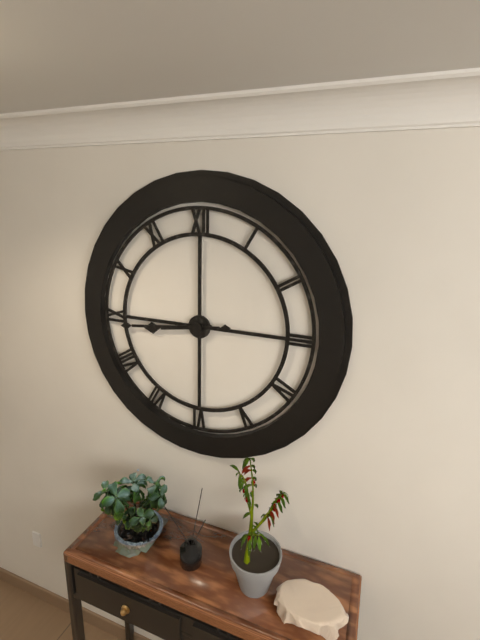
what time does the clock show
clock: 8:44
